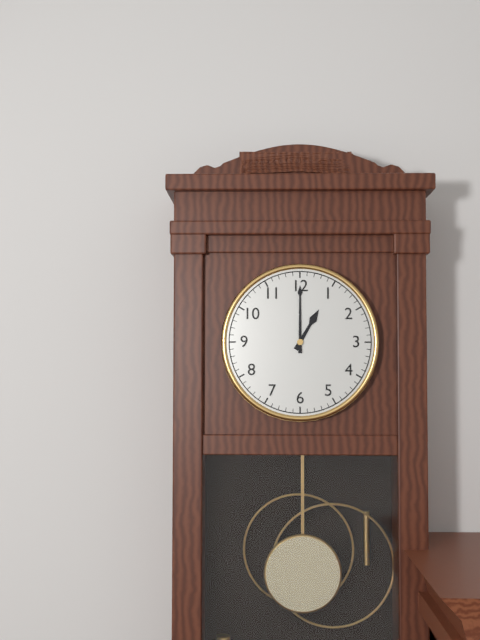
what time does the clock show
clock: 1:00
